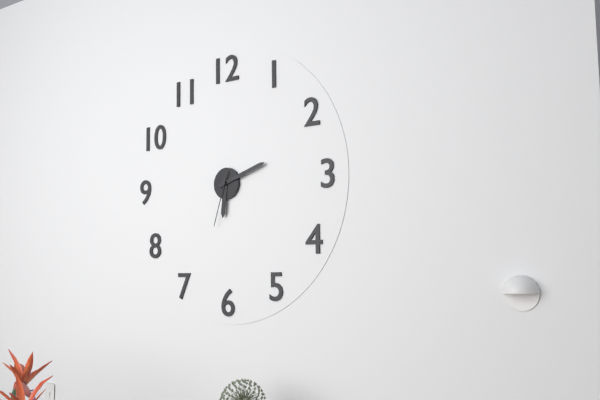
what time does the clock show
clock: 6:12:33
